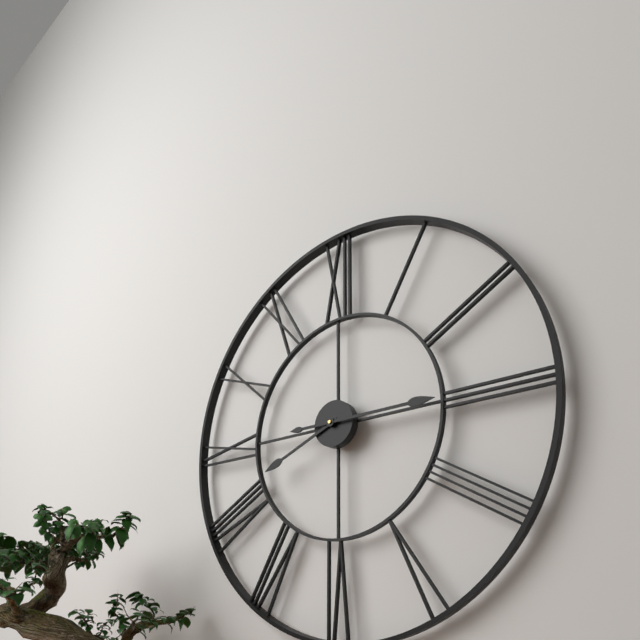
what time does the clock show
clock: 8:15
